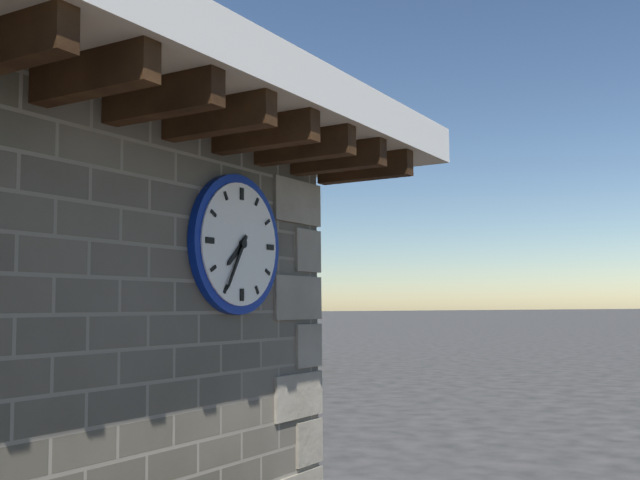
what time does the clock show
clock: 7:35
